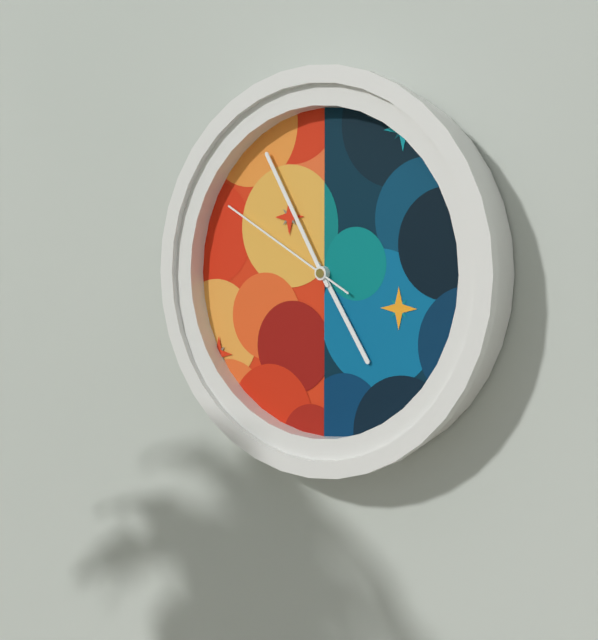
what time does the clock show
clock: 4:55:50
